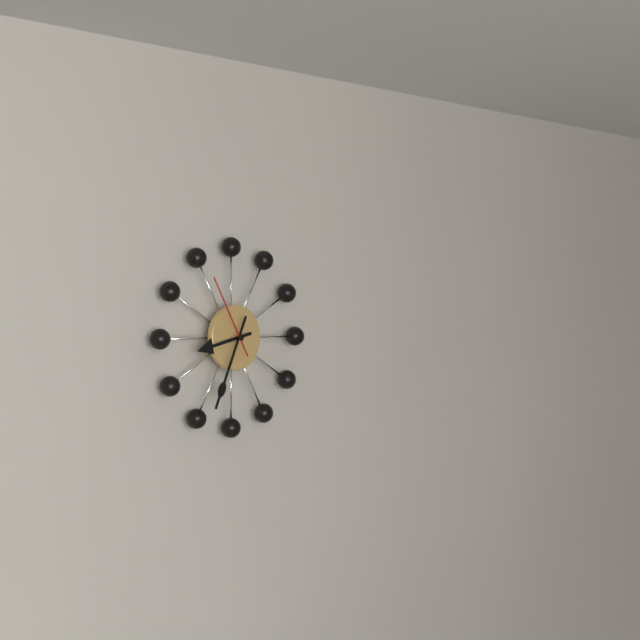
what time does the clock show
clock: 8:34:55
